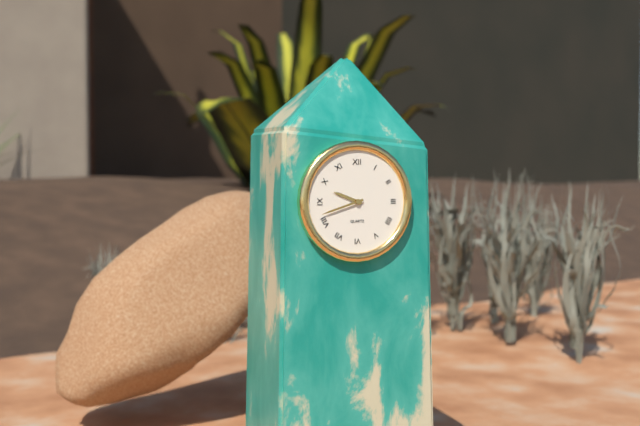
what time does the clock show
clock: 9:42
